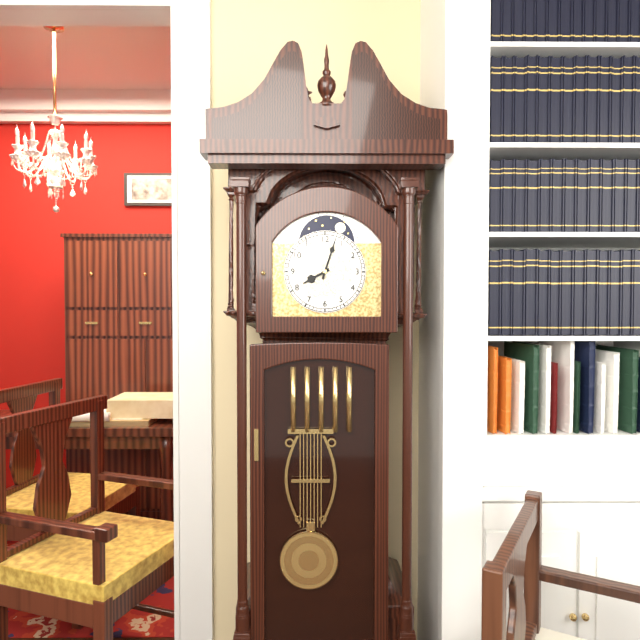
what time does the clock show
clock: 8:03
